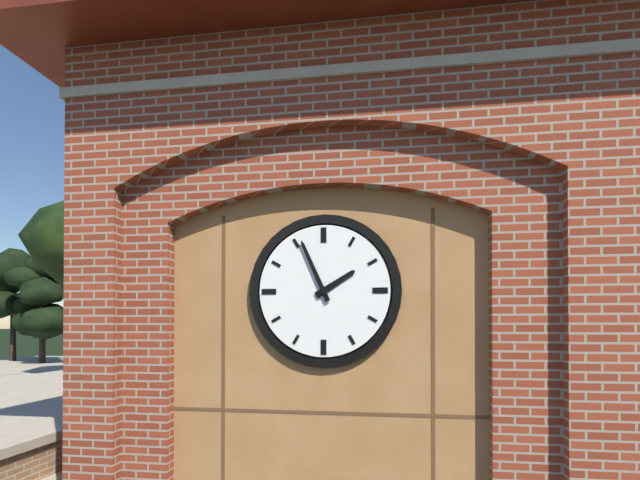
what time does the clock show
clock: 1:56
